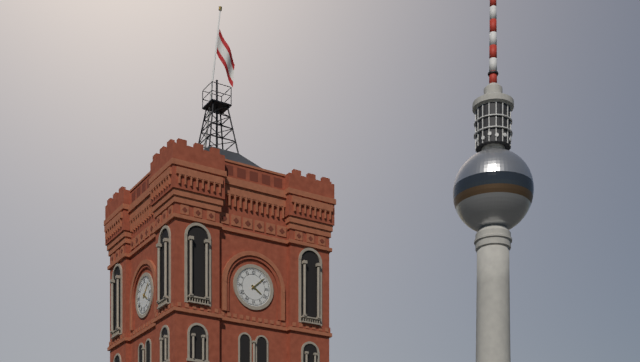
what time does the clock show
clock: 4:08
